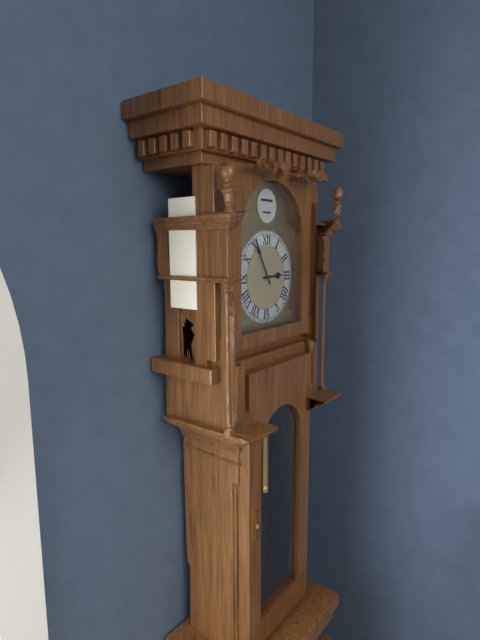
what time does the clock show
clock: 2:55
